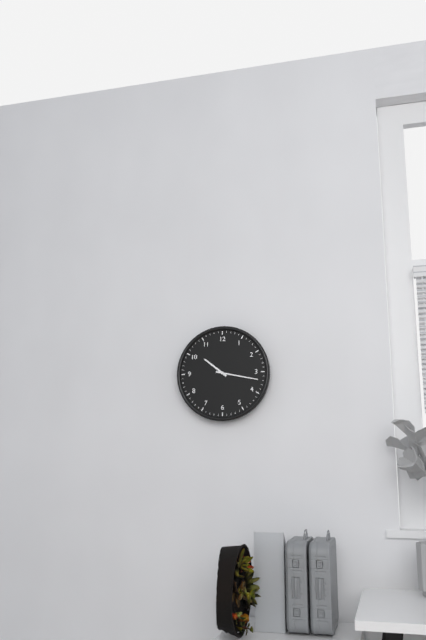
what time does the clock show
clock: 10:17
